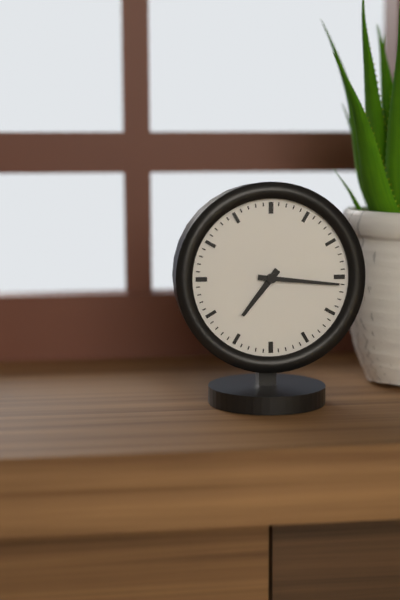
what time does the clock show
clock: 7:16
